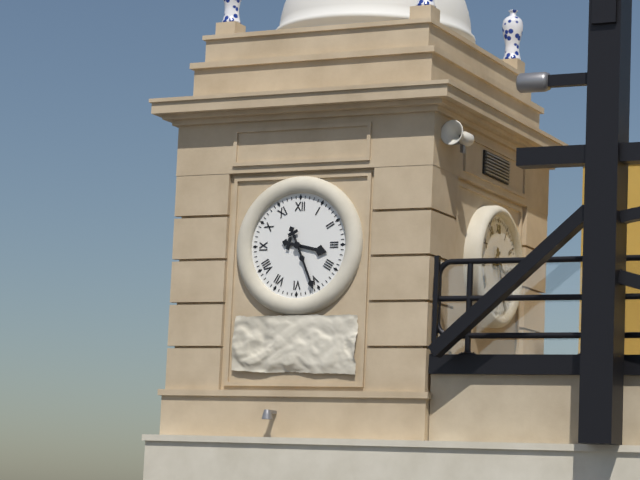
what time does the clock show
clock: 3:26
